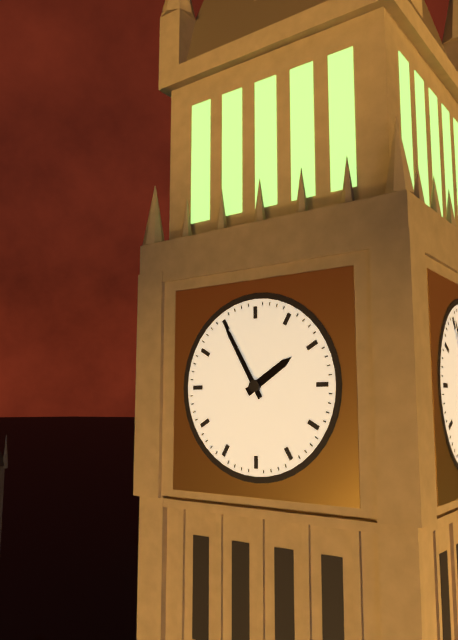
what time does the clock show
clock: 1:55
